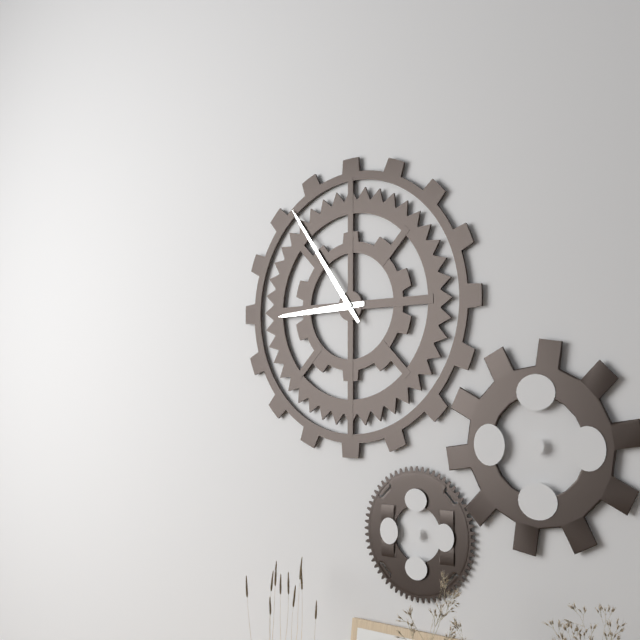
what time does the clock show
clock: 8:54
